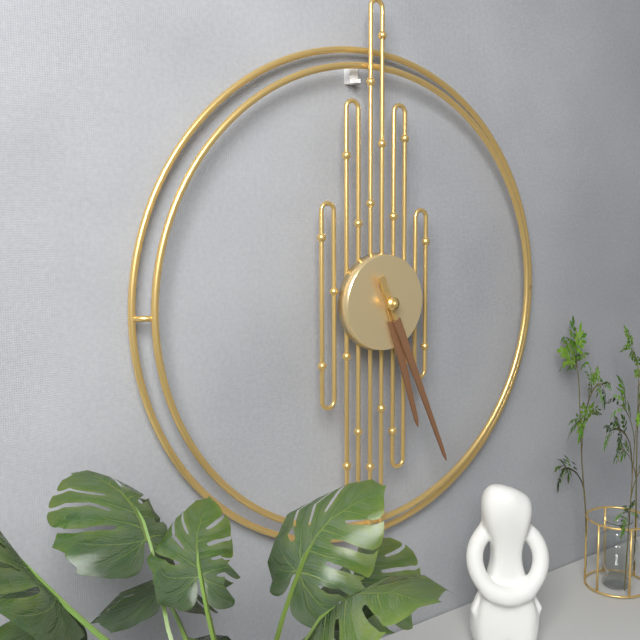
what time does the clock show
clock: 5:26
